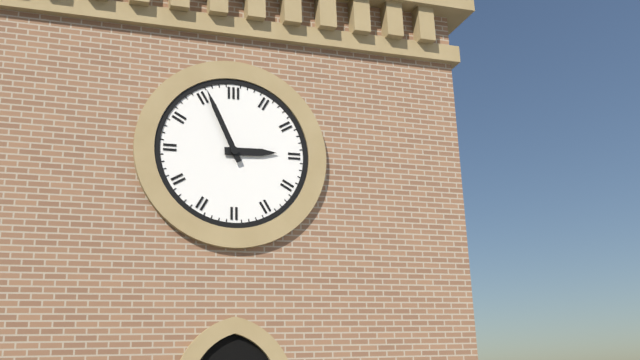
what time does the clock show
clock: 2:56
